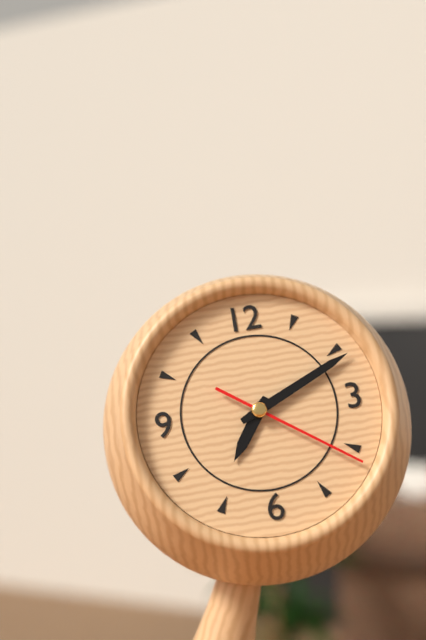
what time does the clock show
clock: 7:11:21
